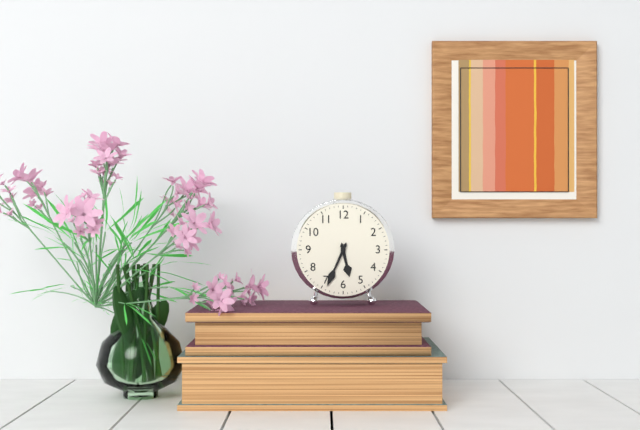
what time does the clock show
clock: 5:34
